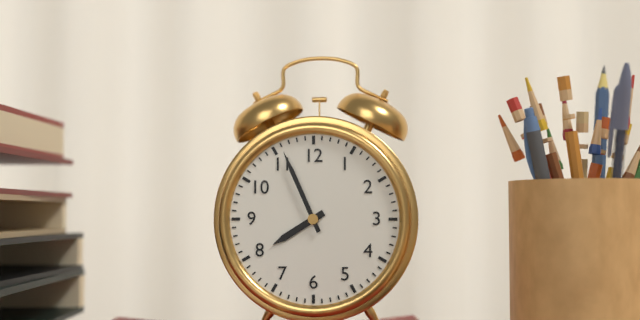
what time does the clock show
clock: 7:56
